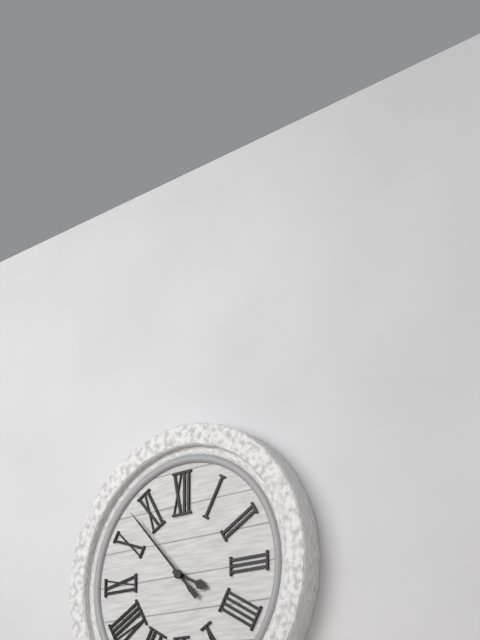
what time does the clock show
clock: 3:53
